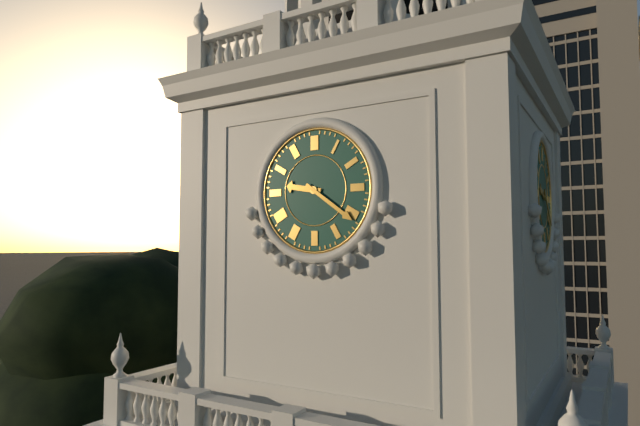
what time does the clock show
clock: 9:21
